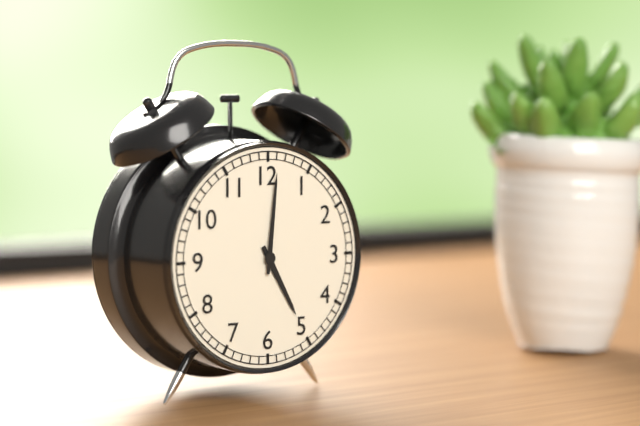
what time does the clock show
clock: 5:01
